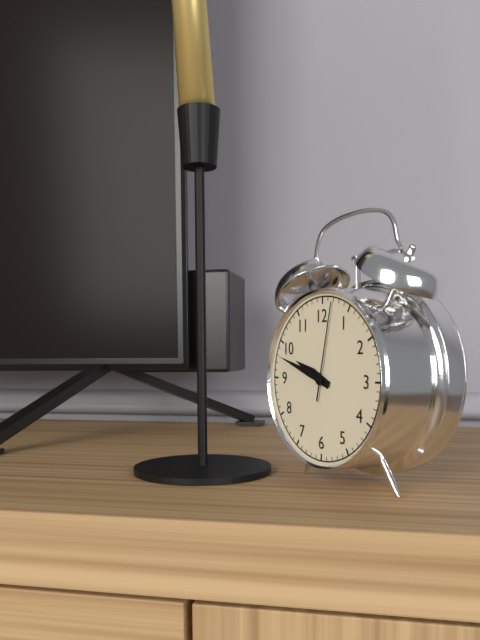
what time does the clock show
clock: 9:48:02
